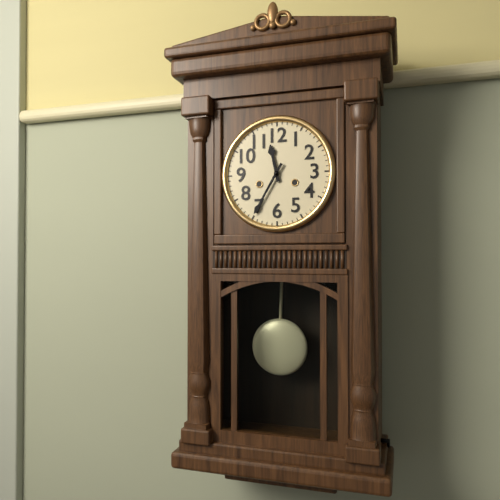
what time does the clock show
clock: 11:35
